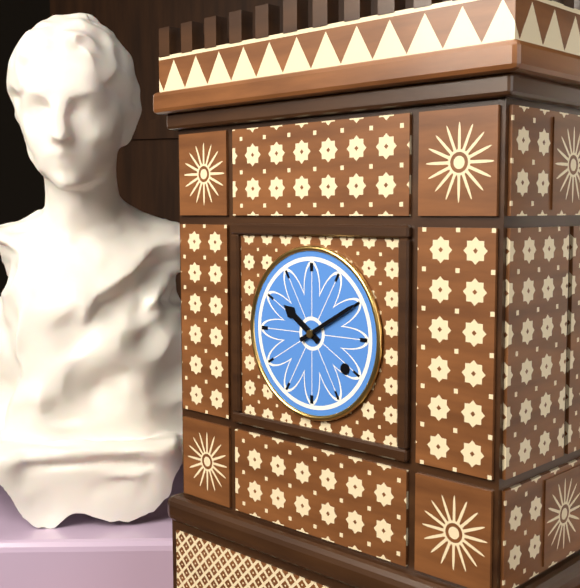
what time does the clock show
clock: 10:10
